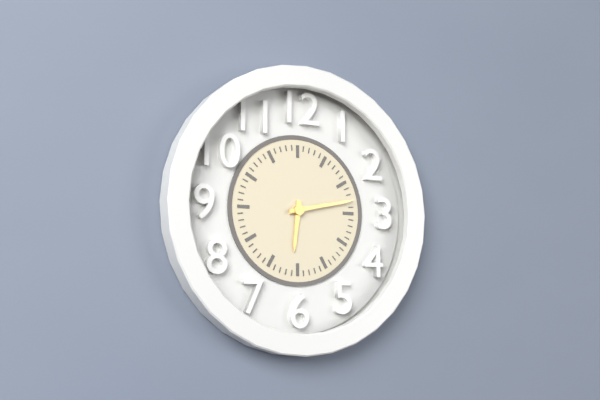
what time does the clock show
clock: 6:13
